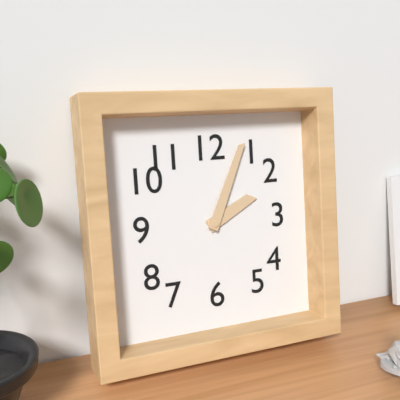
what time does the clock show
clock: 2:04
